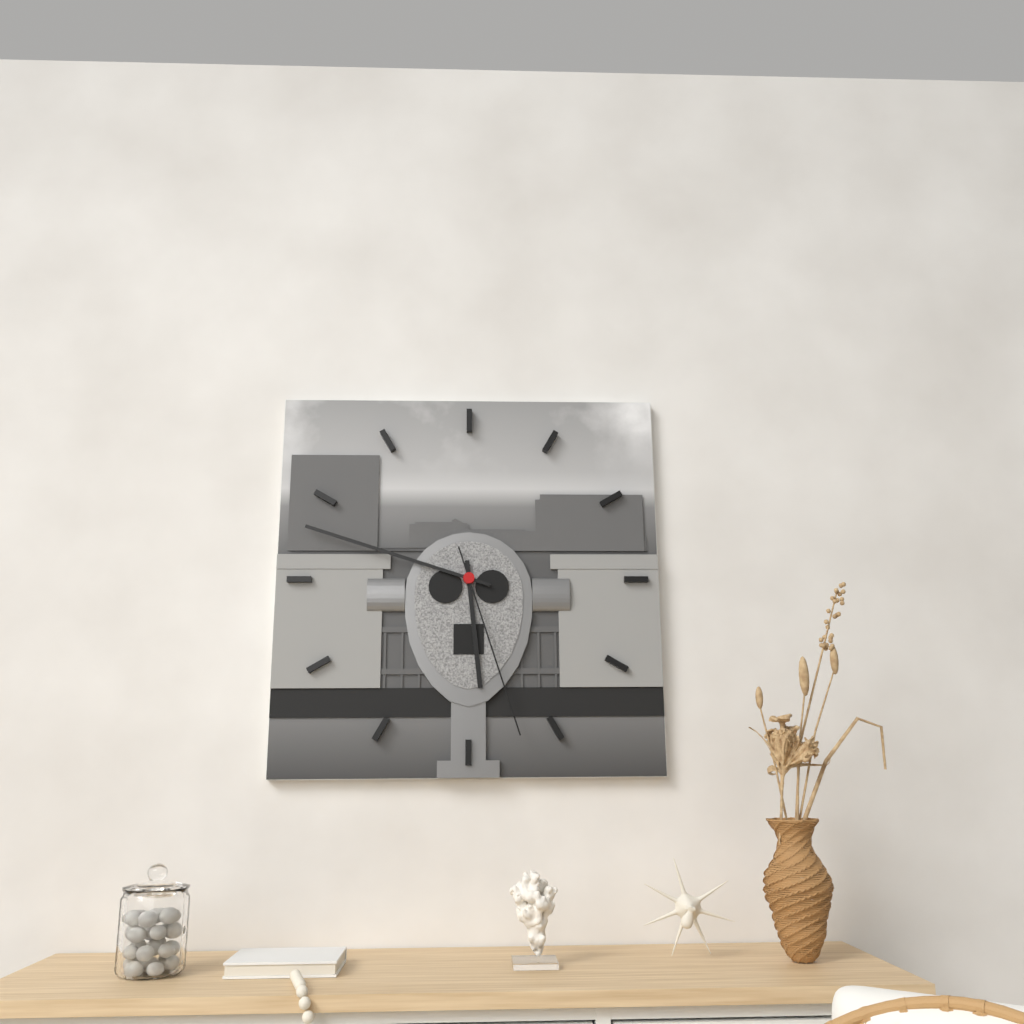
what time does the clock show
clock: 5:48:27
